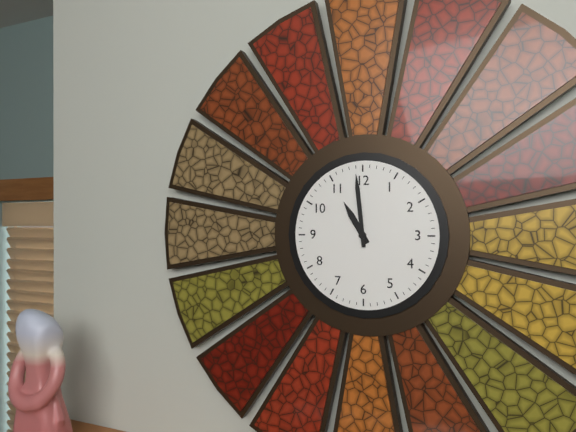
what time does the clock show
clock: 10:59
